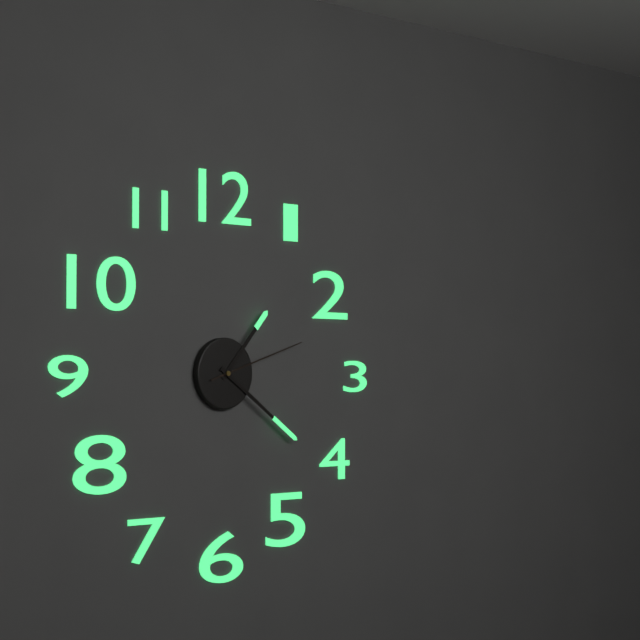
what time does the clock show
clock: 1:21:12
